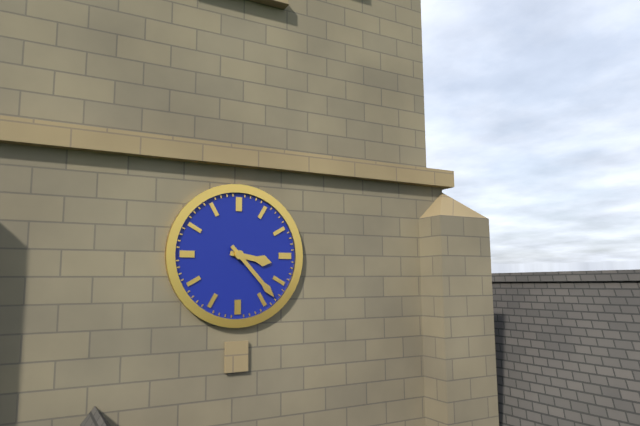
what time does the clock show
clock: 3:23
